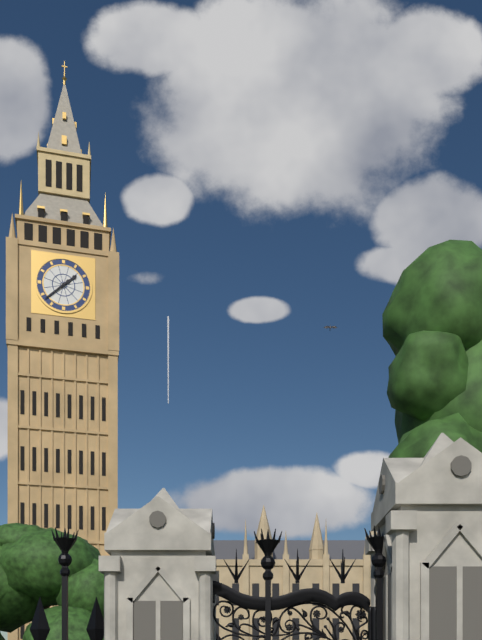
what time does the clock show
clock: 1:38
